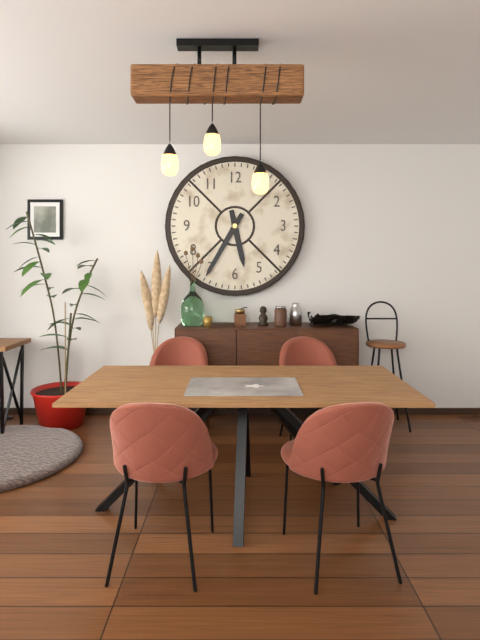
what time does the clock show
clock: 5:35
